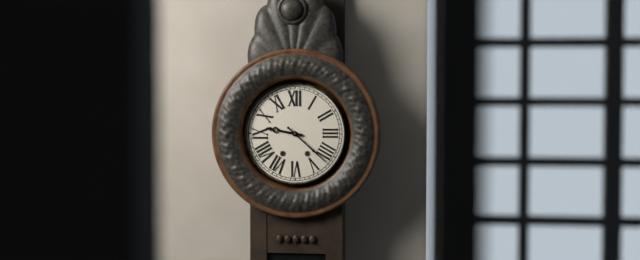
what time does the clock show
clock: 9:22
